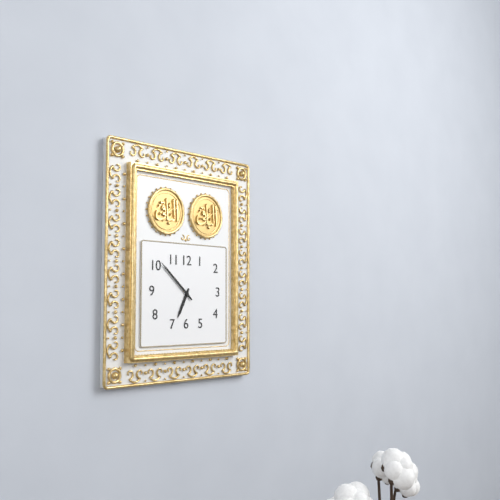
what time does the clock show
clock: 6:52
